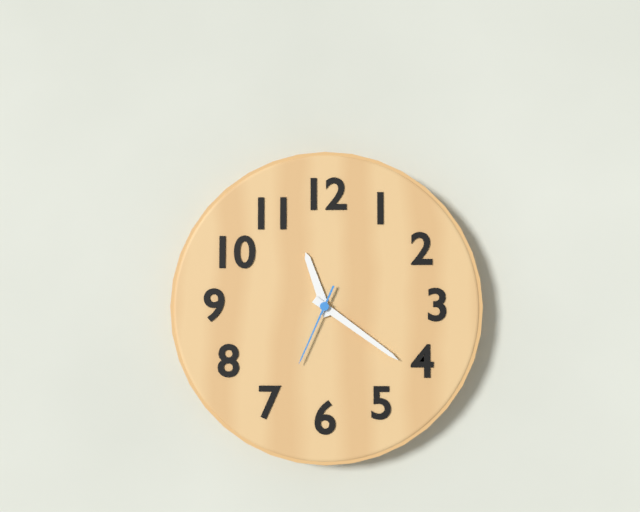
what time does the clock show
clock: 11:21:34
